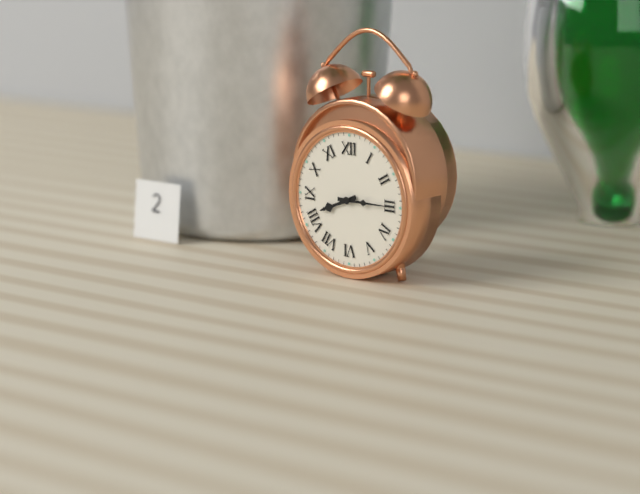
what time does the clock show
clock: 8:15
